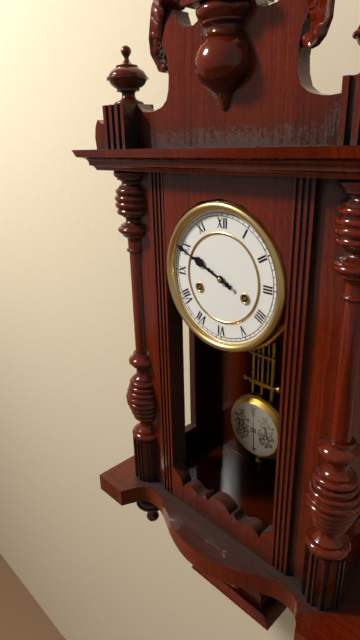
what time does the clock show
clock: 9:49
